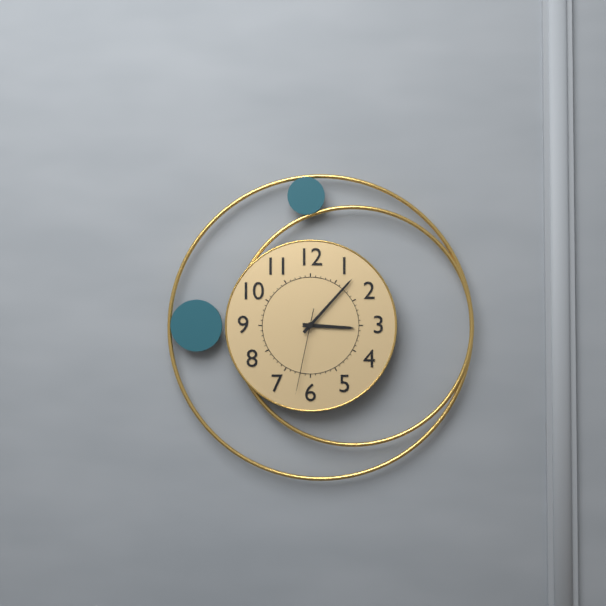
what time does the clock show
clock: 3:07:32
